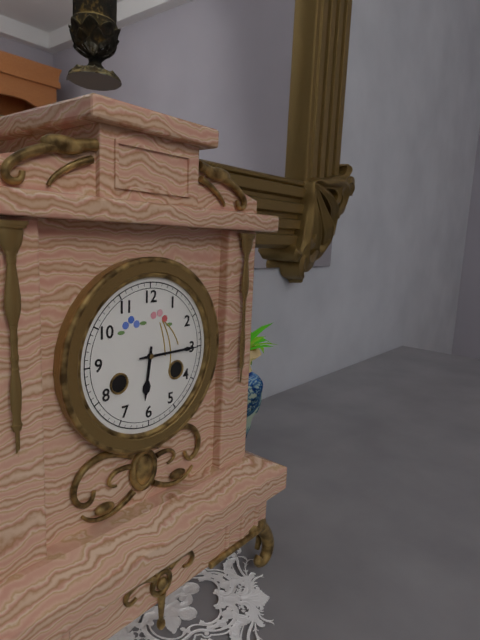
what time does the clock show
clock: 6:15
